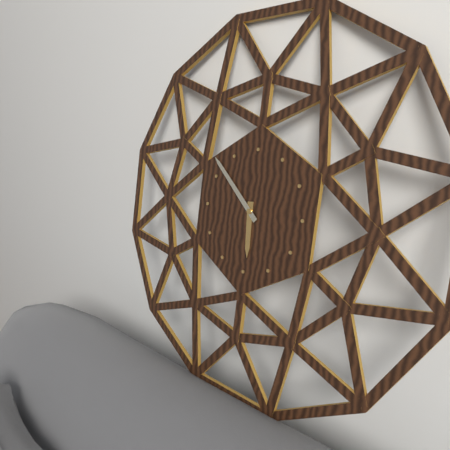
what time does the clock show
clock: 5:52
